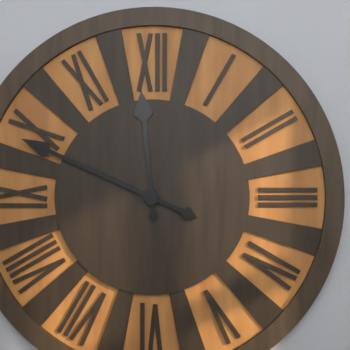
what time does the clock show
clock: 11:49
